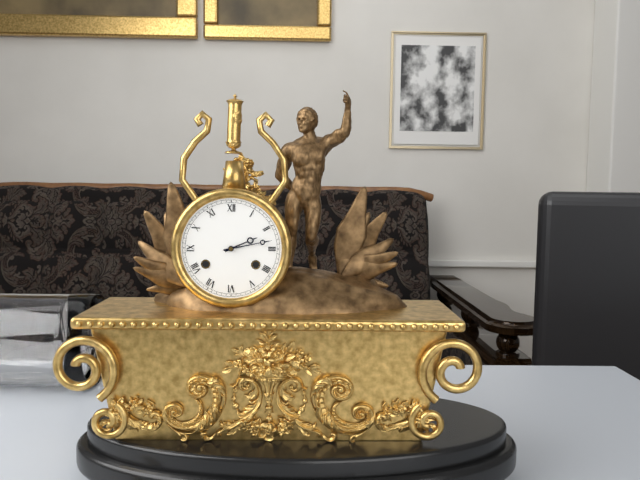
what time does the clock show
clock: 2:13
